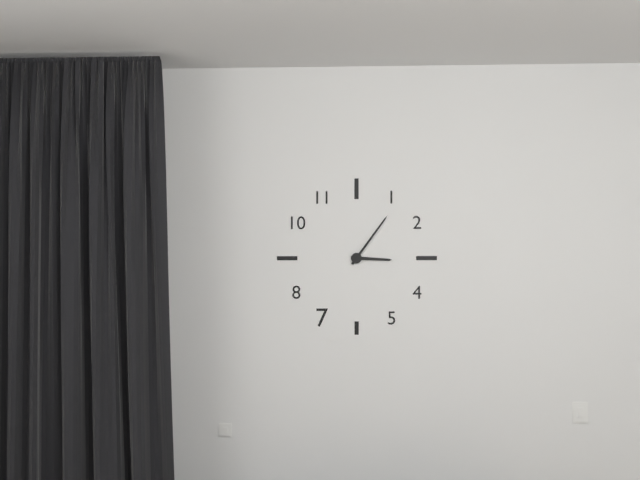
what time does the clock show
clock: 3:06
